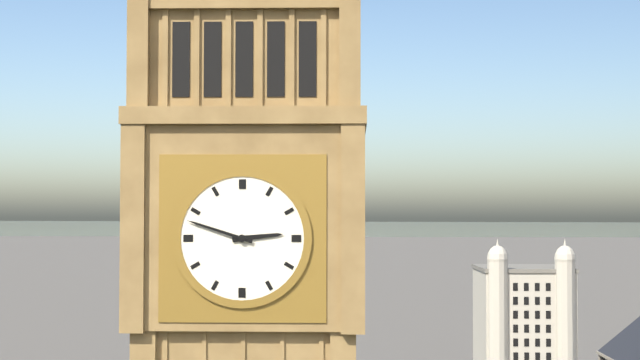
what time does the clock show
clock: 2:48
